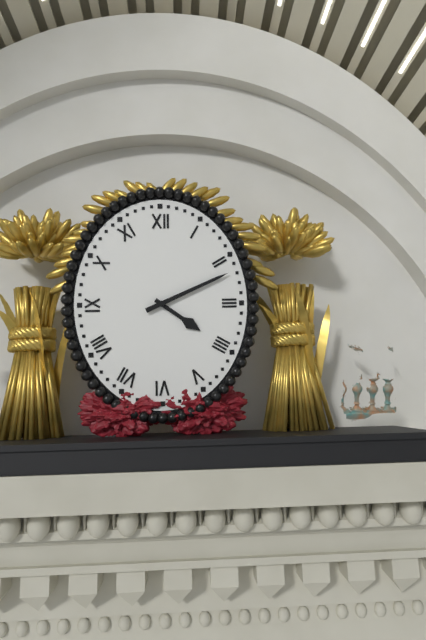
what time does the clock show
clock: 4:11
